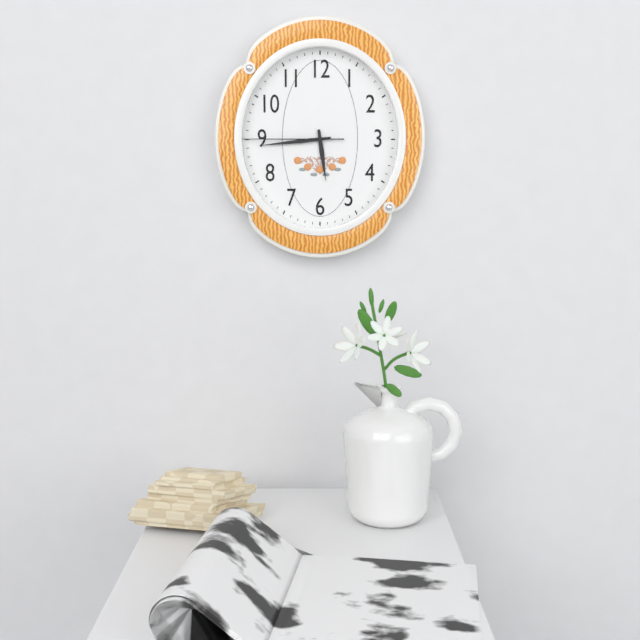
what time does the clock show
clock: 5:44:45
